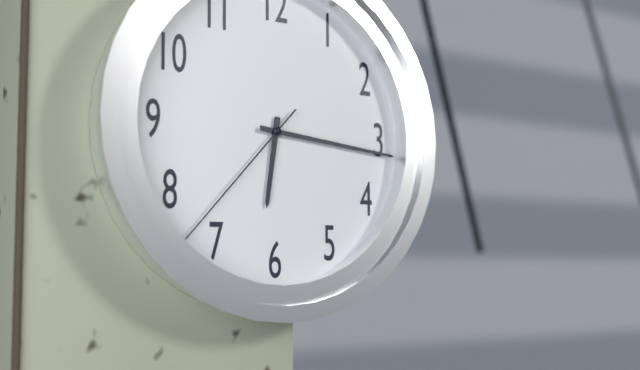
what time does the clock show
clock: 6:16:37
